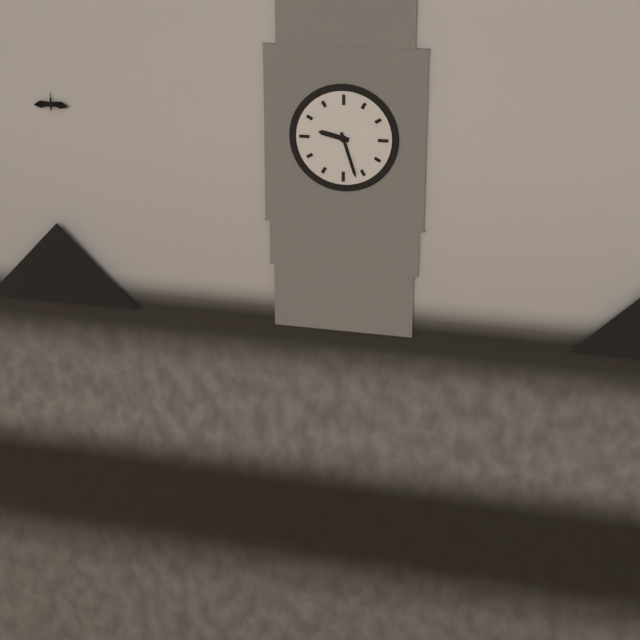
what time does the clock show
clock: 9:27
